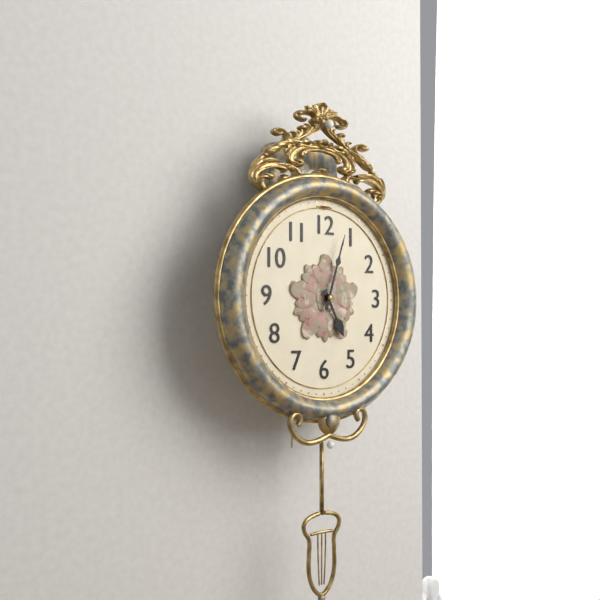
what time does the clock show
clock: 5:03
